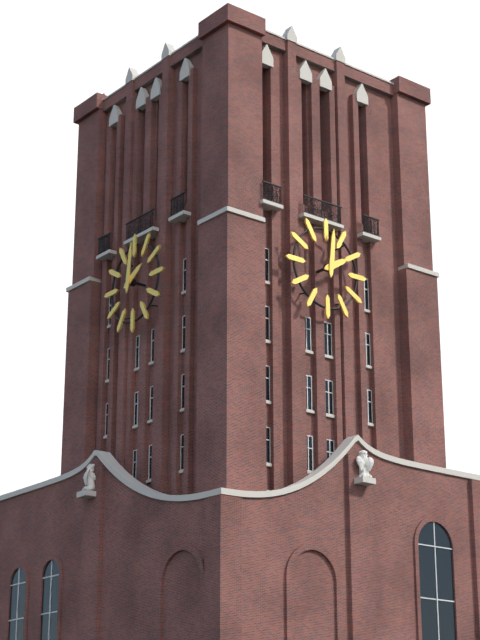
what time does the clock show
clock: 2:01
